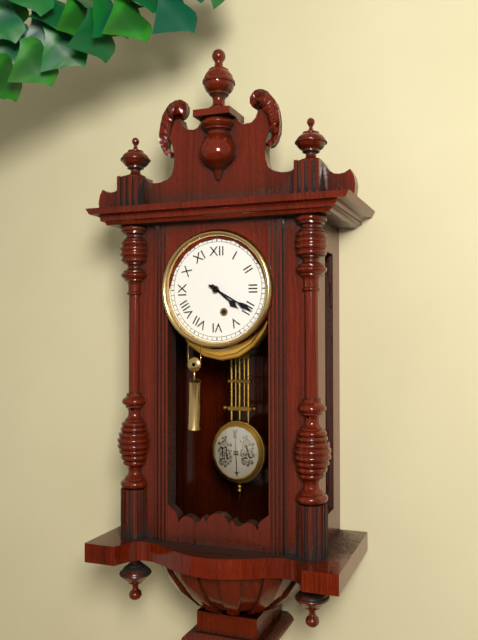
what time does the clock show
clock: 4:20
